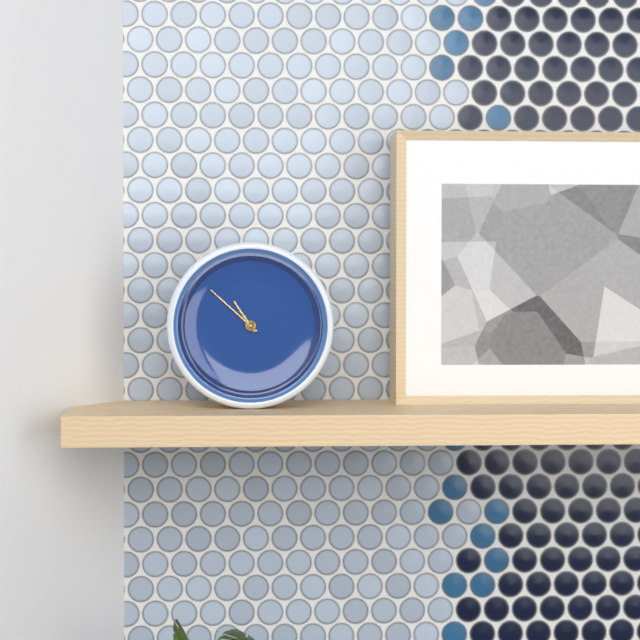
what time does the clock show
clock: 10:52
